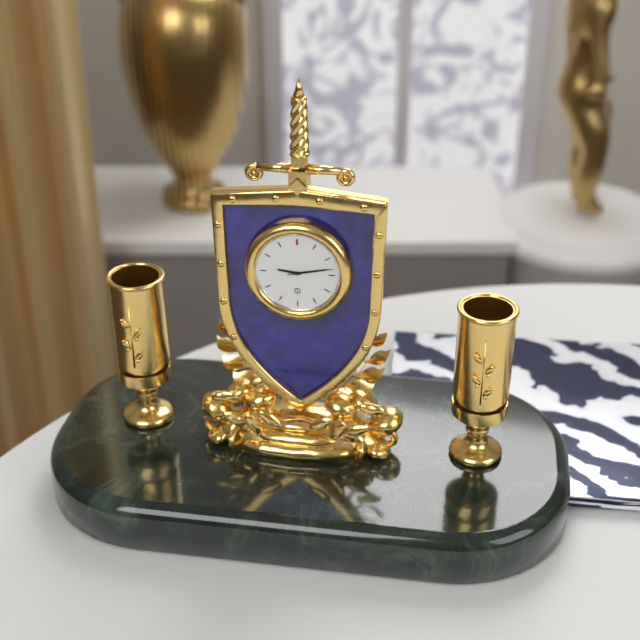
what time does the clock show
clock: 9:13
